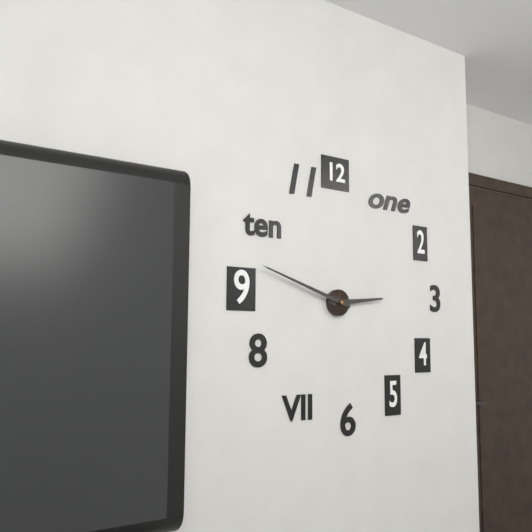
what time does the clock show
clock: 2:48
